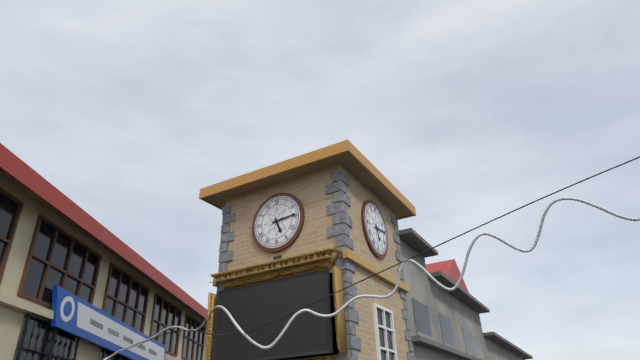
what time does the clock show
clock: 5:14
